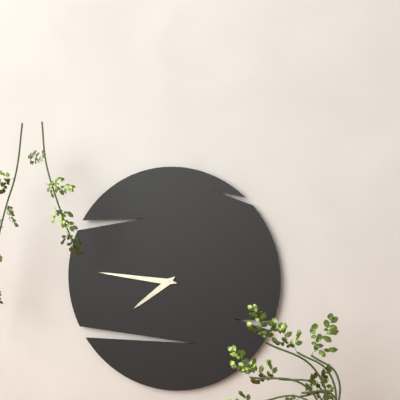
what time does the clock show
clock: 7:46
